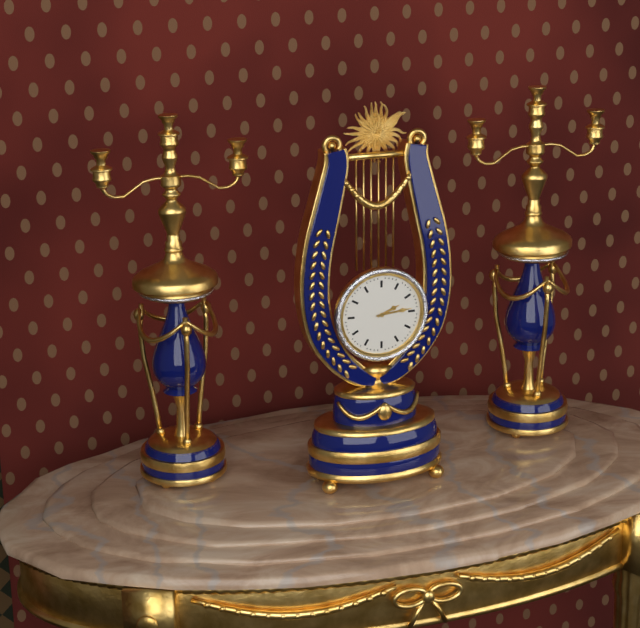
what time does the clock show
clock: 2:14
